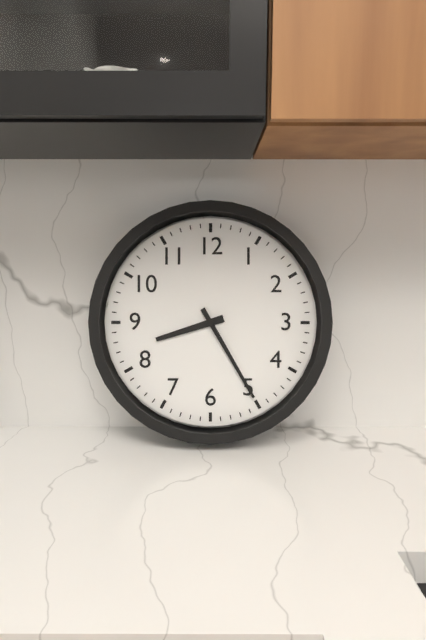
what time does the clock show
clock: 8:25
